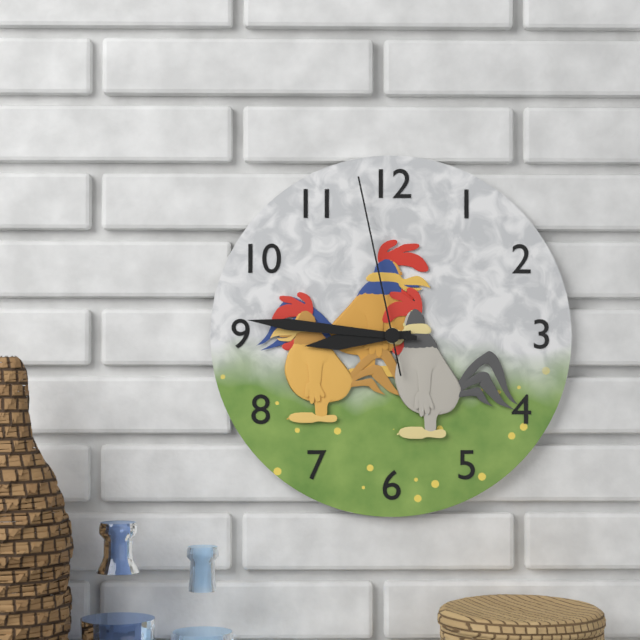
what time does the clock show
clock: 8:46:58
